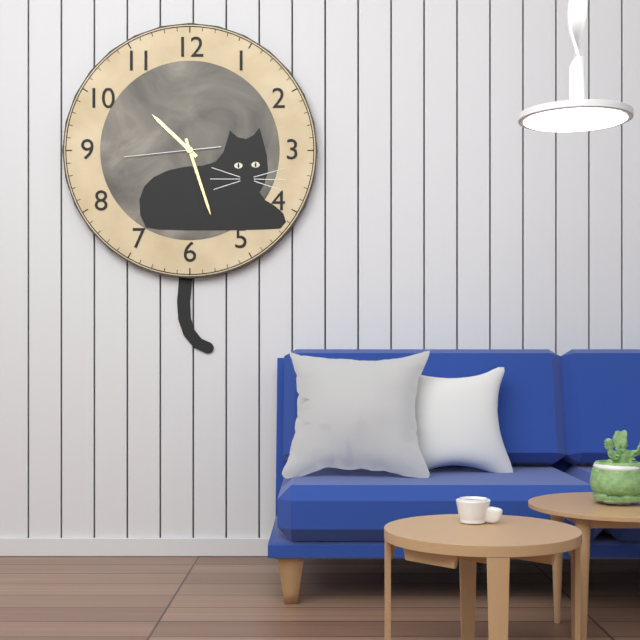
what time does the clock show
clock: 10:27:44
